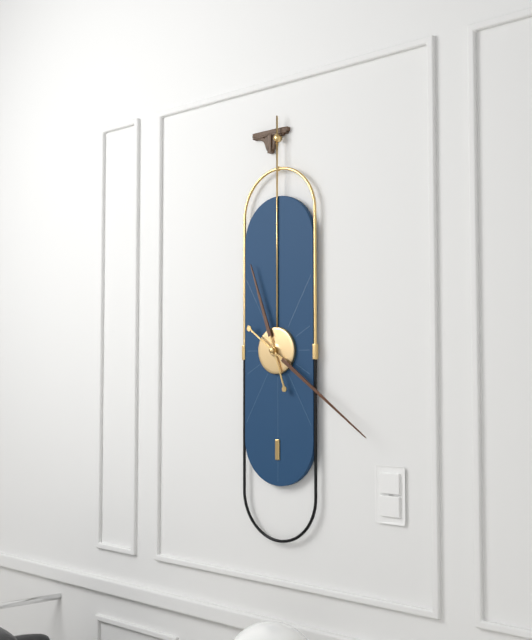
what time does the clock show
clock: 11:21
